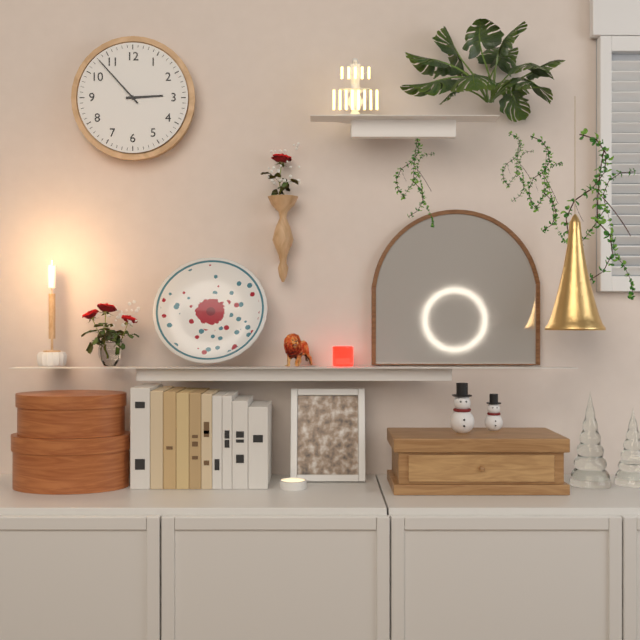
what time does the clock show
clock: 2:53
